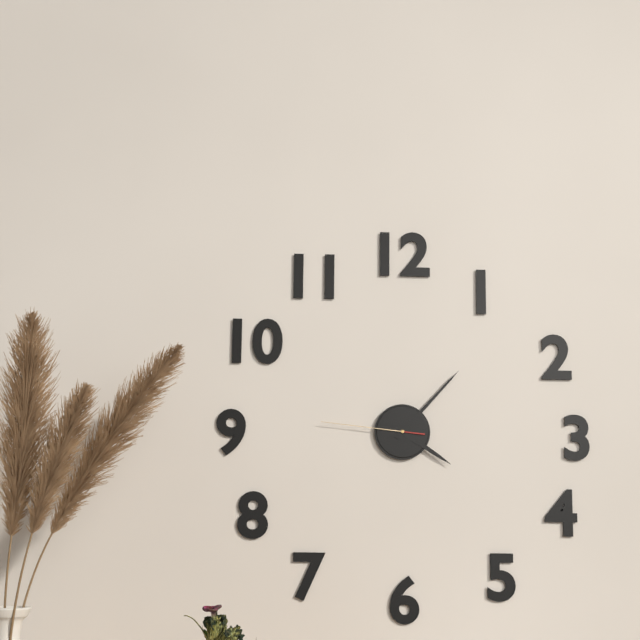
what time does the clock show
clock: 4:07:46
